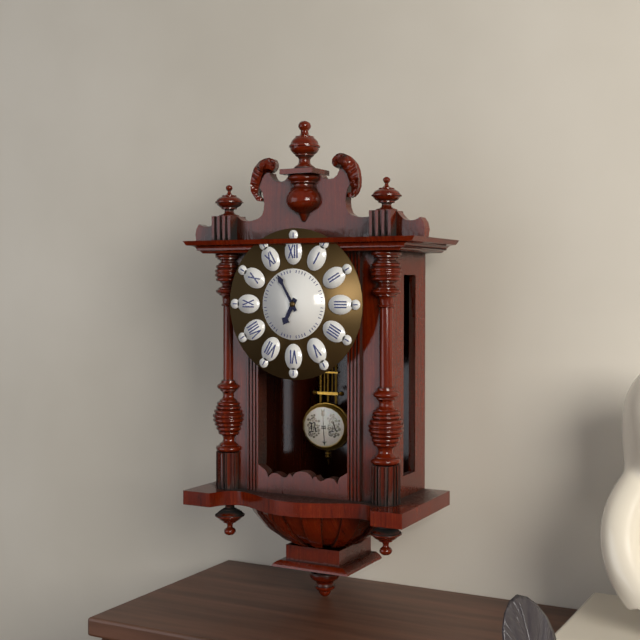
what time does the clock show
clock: 6:55
